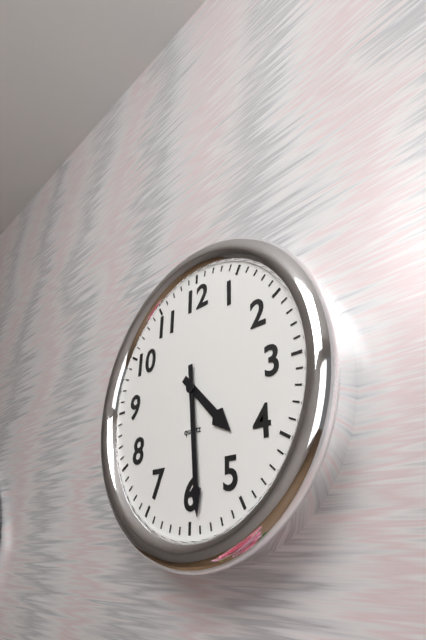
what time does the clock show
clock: 4:29
